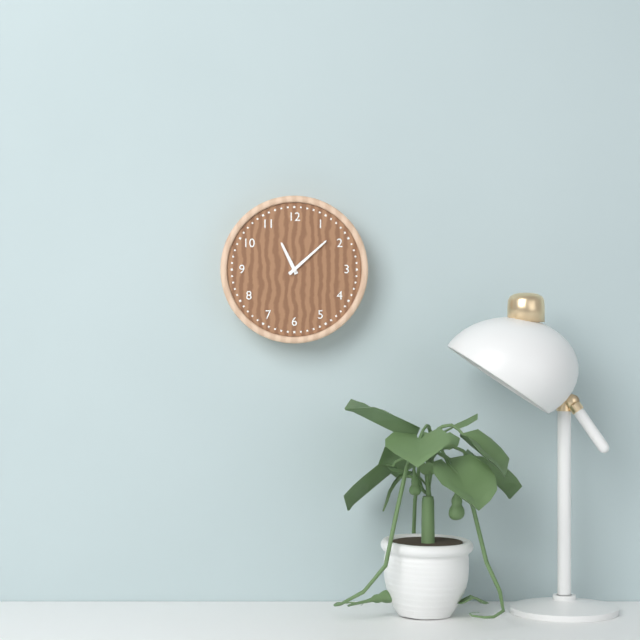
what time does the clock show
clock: 11:08
